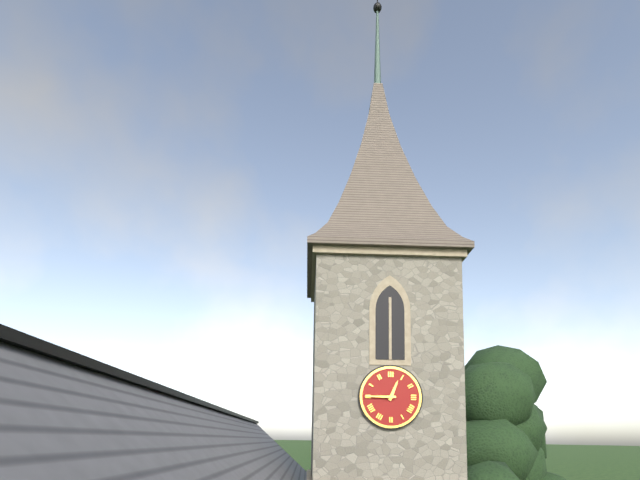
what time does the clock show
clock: 12:45
